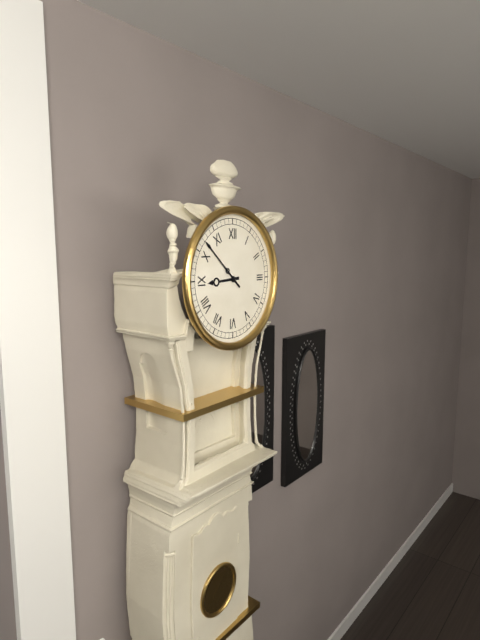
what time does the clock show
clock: 8:52
